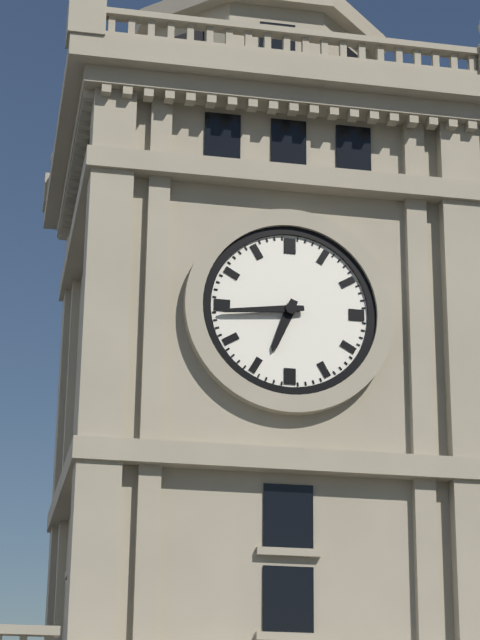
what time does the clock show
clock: 6:44
